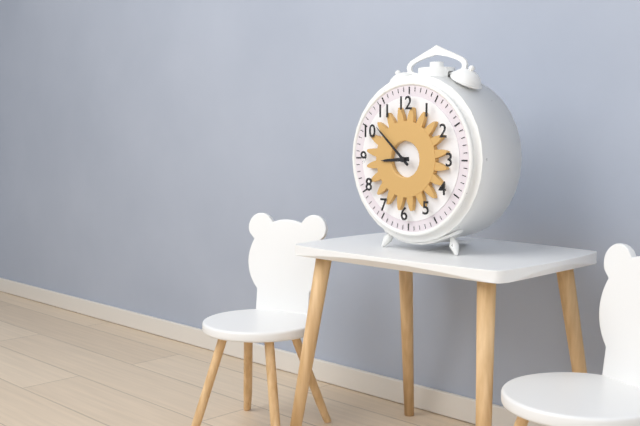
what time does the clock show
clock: 8:52
